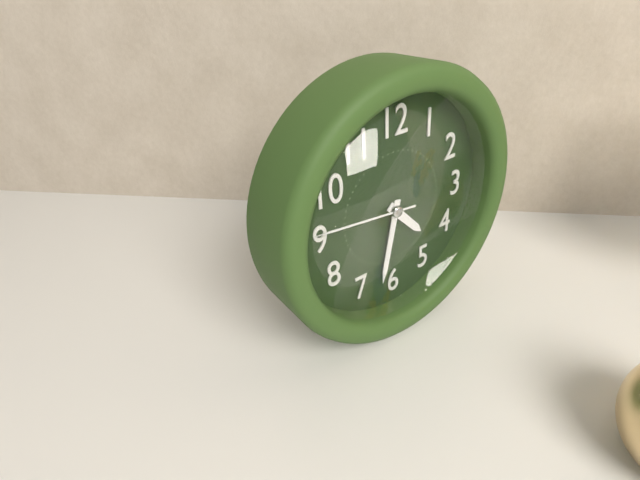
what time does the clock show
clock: 4:32:46
